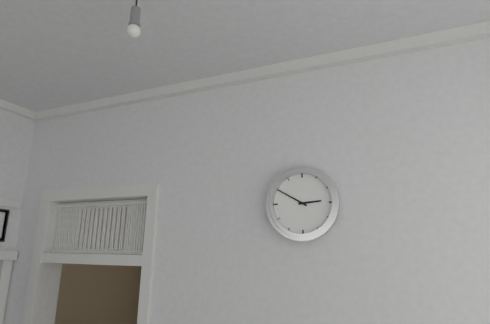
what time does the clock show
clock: 2:50
